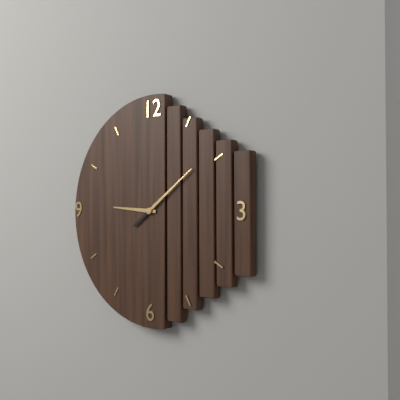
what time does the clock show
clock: 9:09
